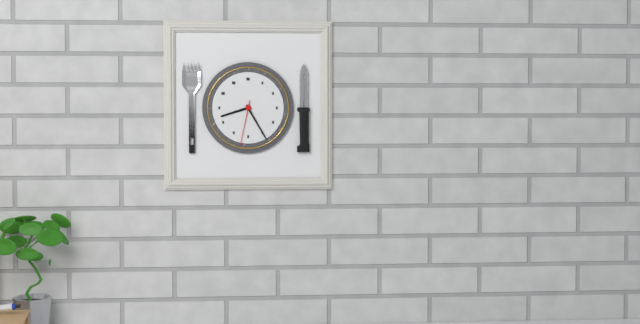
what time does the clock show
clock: 8:25
